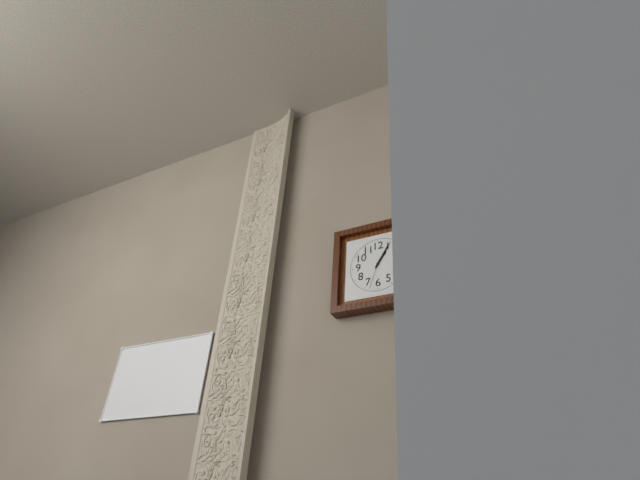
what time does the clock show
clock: 1:05
